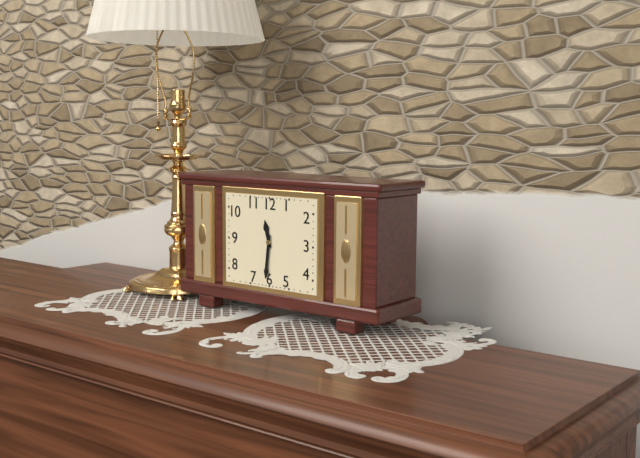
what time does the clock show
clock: 11:31
